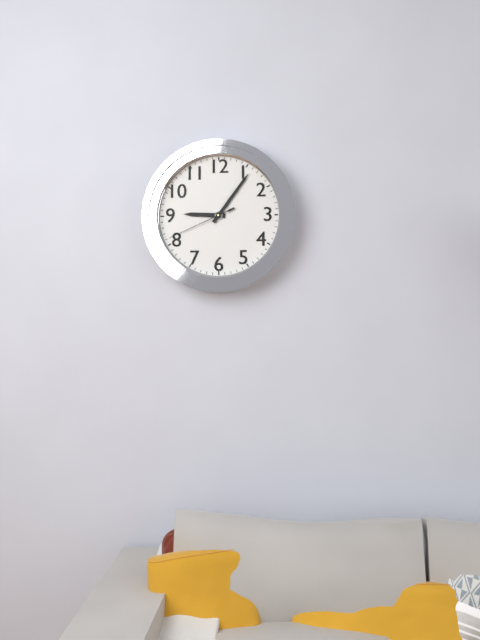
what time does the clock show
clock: 9:06:41
